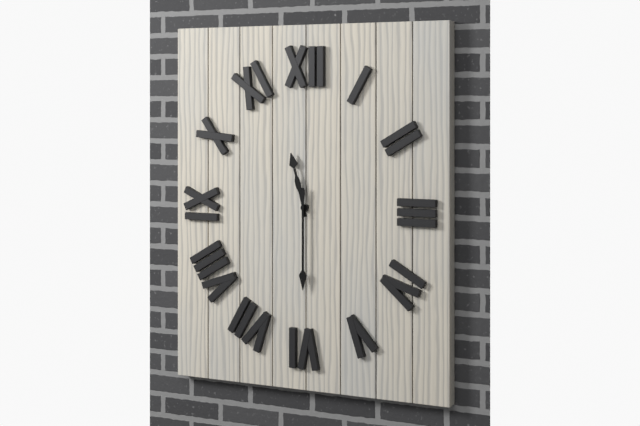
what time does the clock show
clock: 11:30
